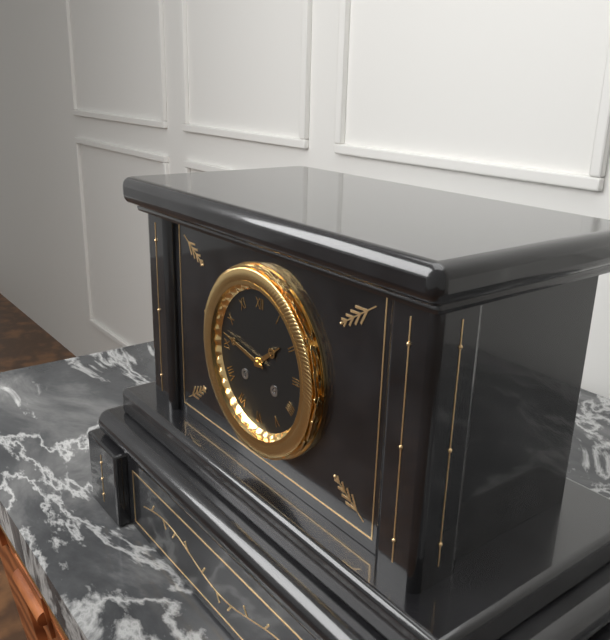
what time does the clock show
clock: 1:47
